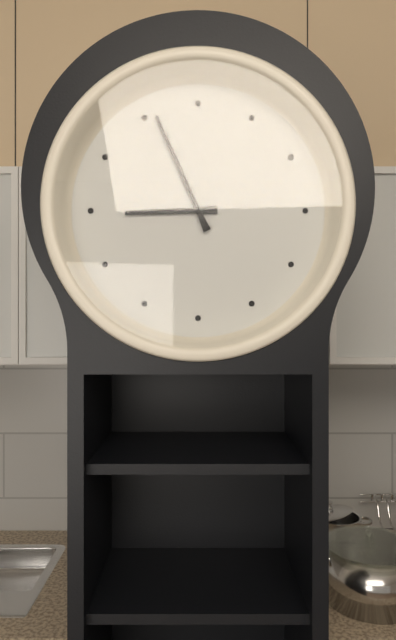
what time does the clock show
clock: 8:56
